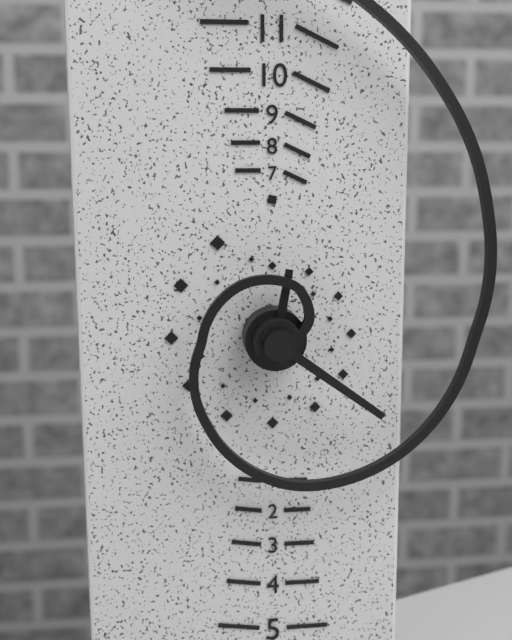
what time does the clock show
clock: 12:21
